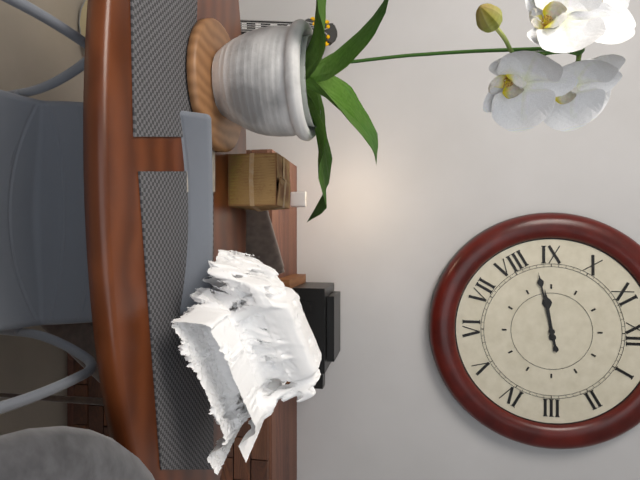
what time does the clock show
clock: 8:43
